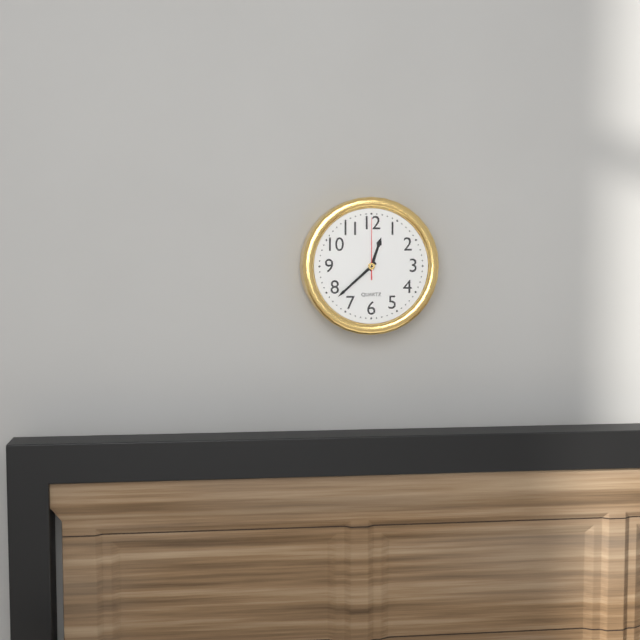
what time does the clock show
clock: 12:38:00
